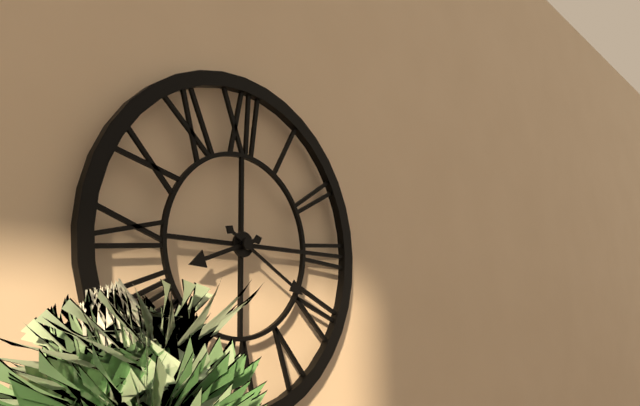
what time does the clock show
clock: 8:20
